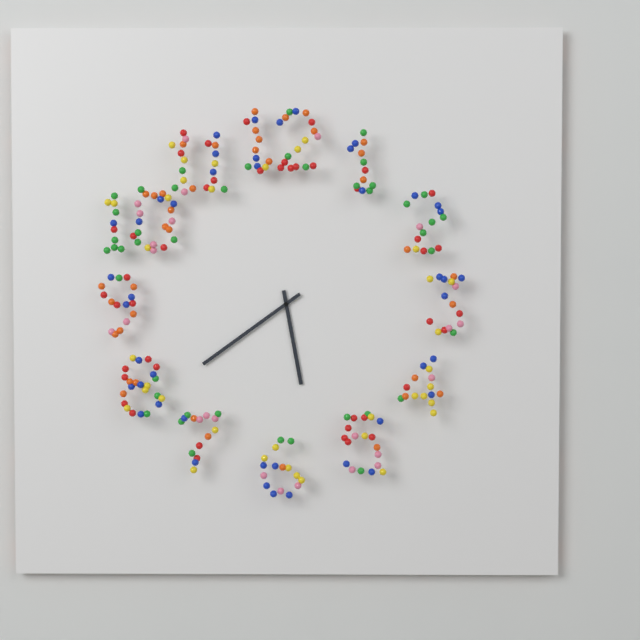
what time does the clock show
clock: 5:39
